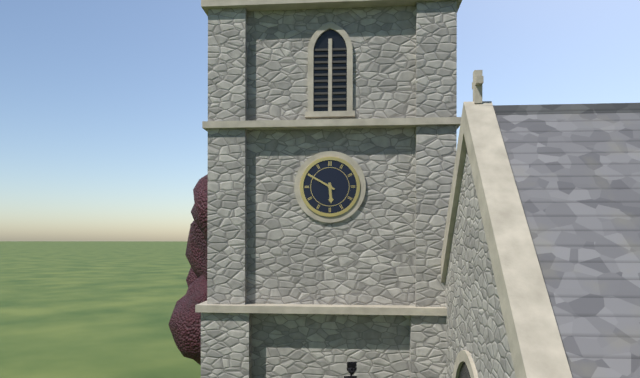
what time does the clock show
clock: 5:50
